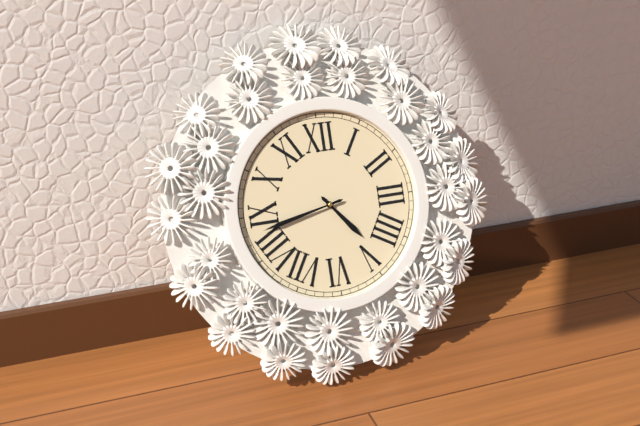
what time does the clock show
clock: 4:43
